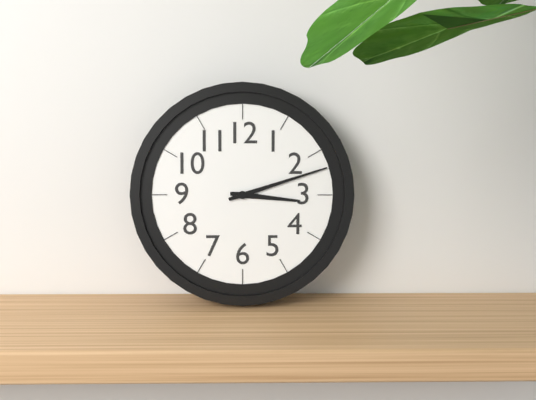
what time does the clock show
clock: 3:12
